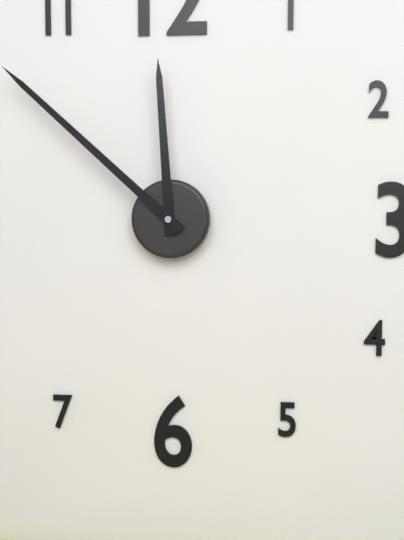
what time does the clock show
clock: 11:52
